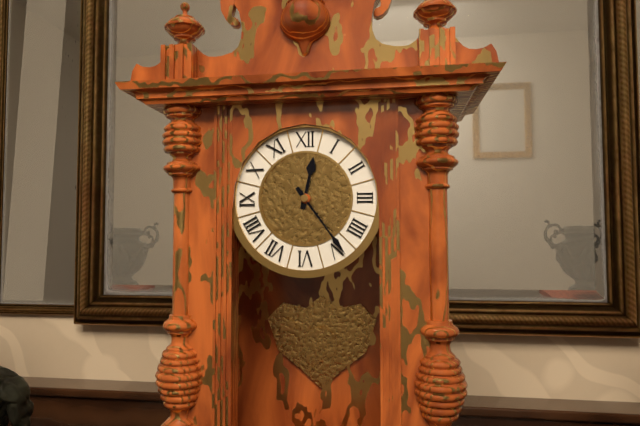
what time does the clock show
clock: 12:24
